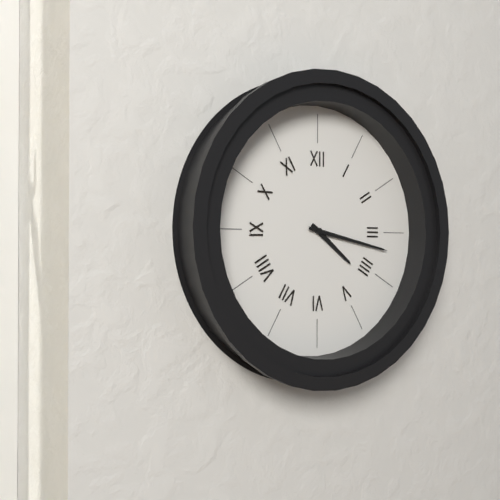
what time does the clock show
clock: 4:17
